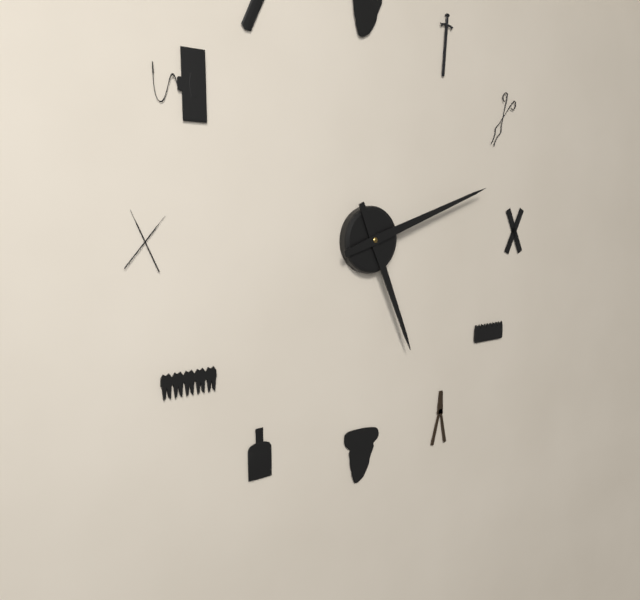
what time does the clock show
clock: 5:12
